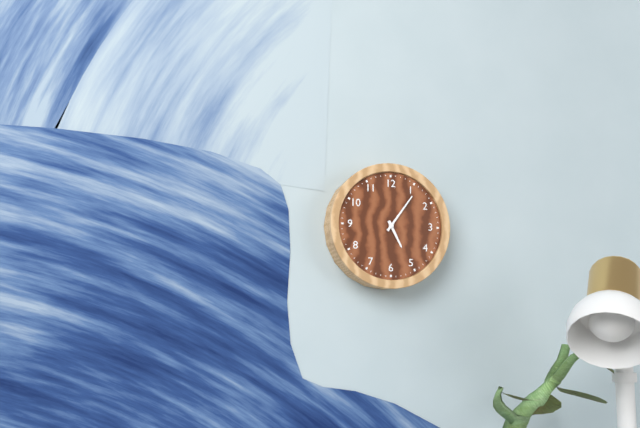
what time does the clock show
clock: 5:06
